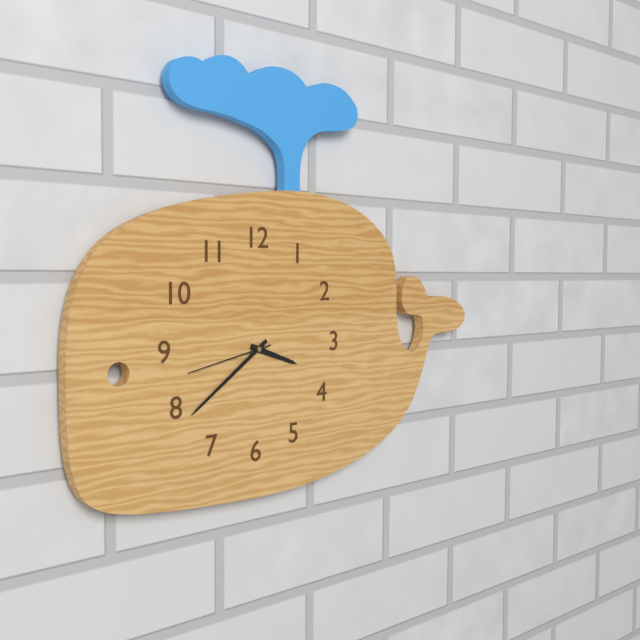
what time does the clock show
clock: 3:39:43
